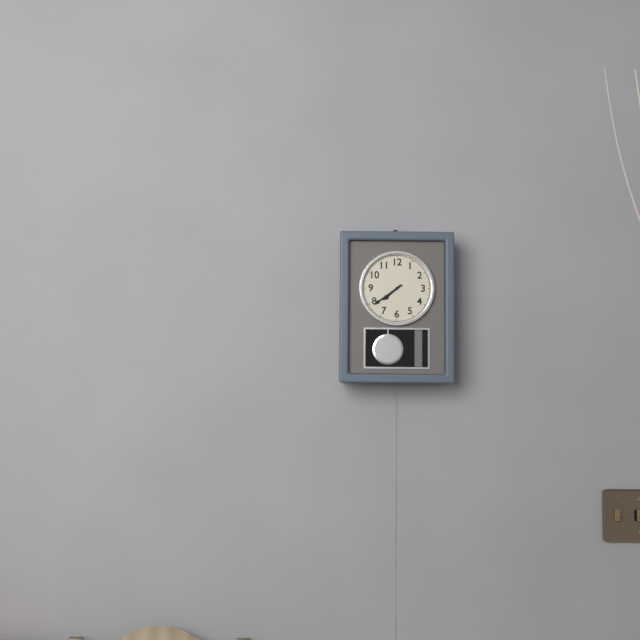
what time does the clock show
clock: 7:39
